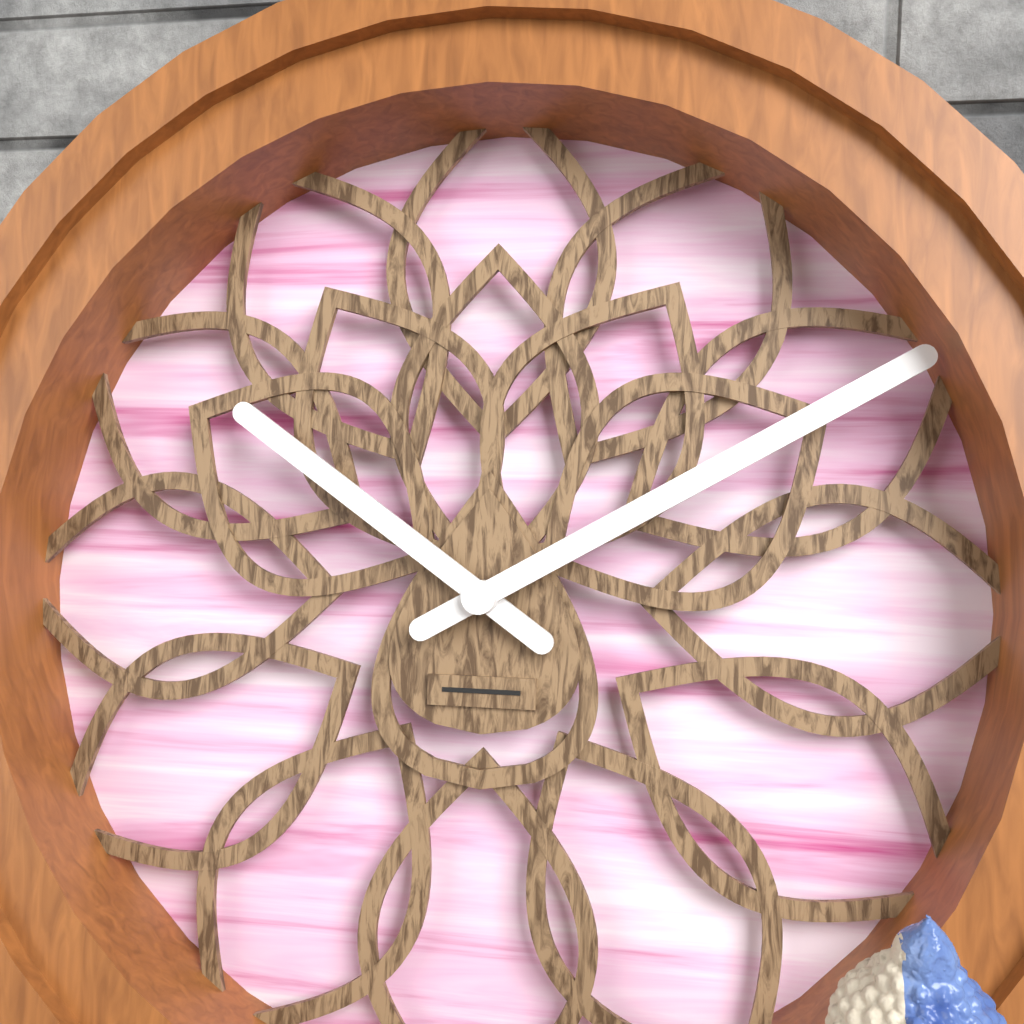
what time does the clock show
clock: 10:10
